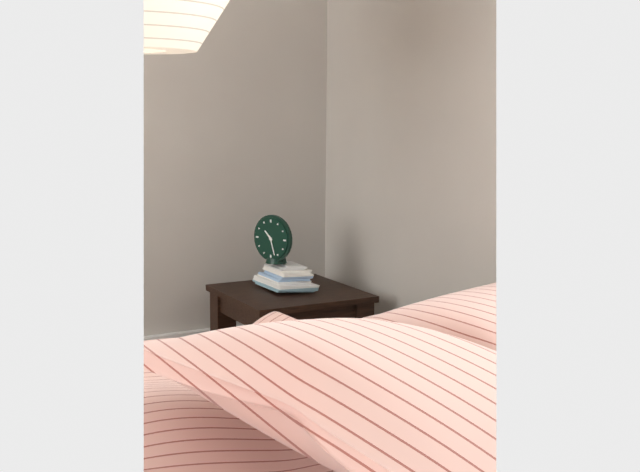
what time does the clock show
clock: 10:27
